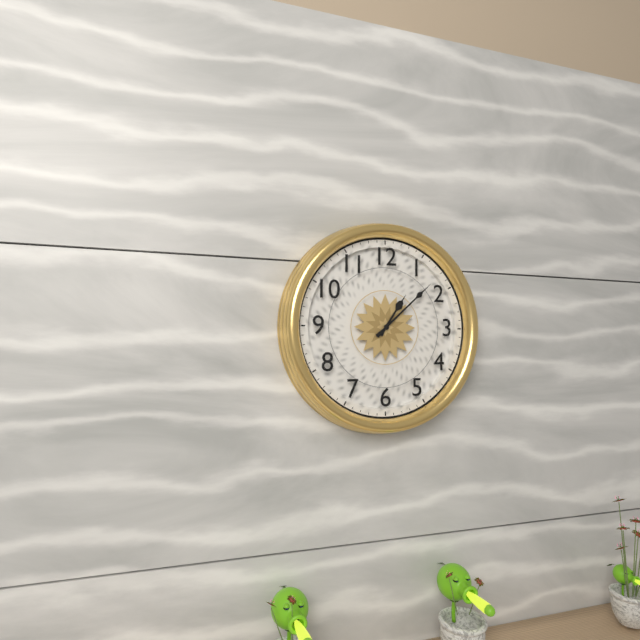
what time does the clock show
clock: 1:08
